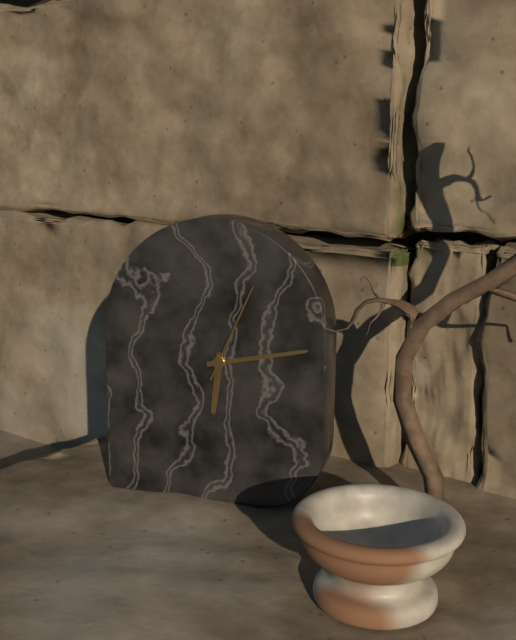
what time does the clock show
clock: 6:13:04
